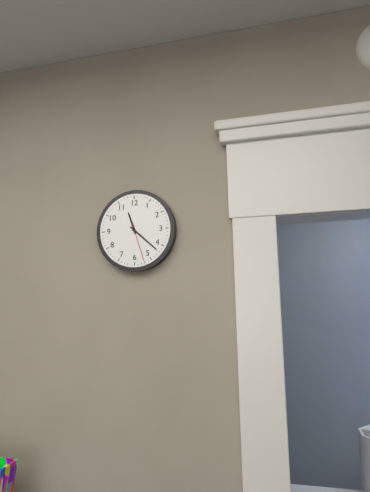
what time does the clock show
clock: 11:22
